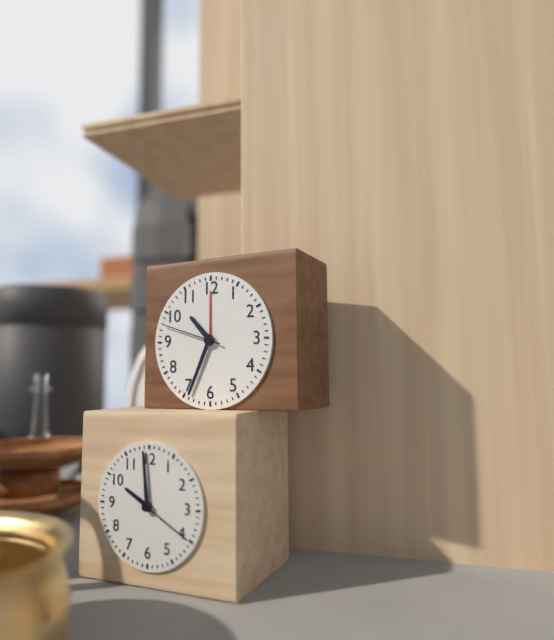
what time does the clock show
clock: 10:34:48
